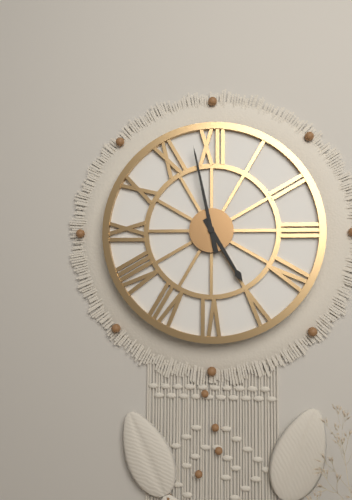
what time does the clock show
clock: 4:58
